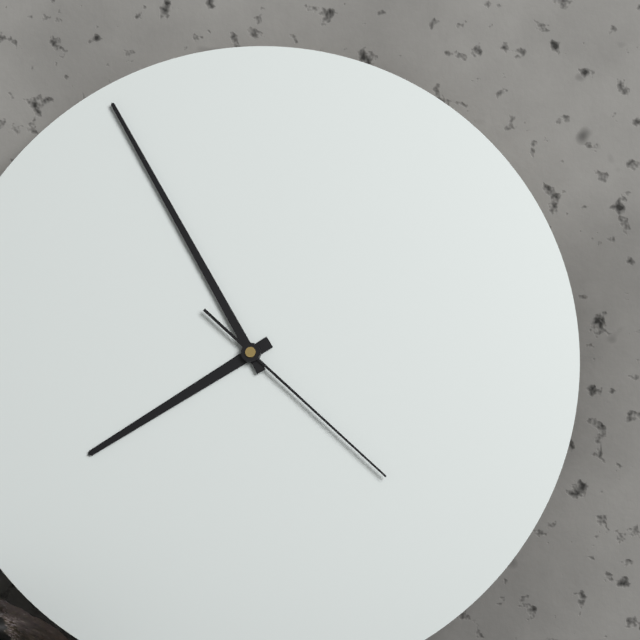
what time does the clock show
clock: 7:55:22
